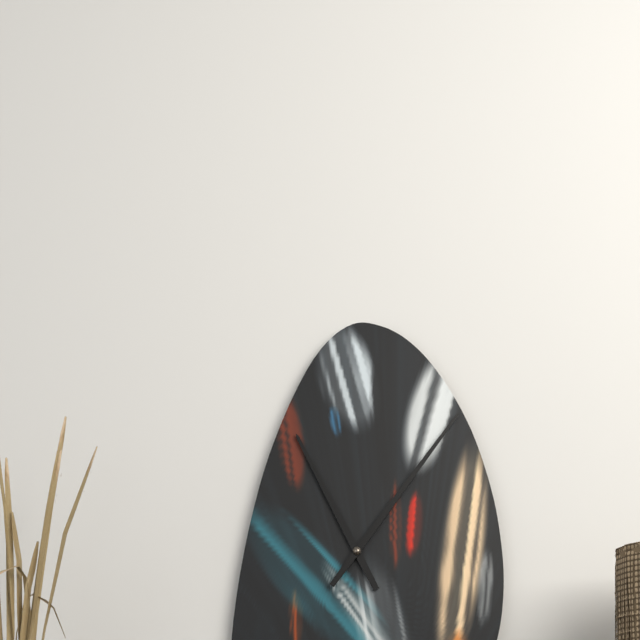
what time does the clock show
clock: 11:06
